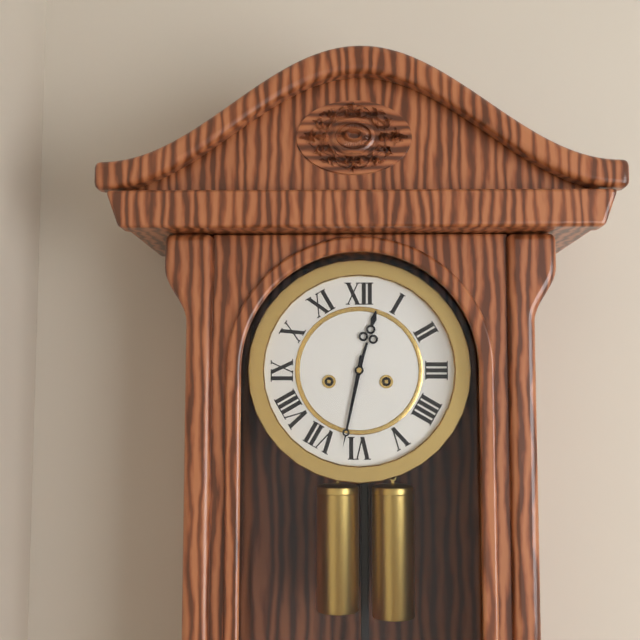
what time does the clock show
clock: 12:32
